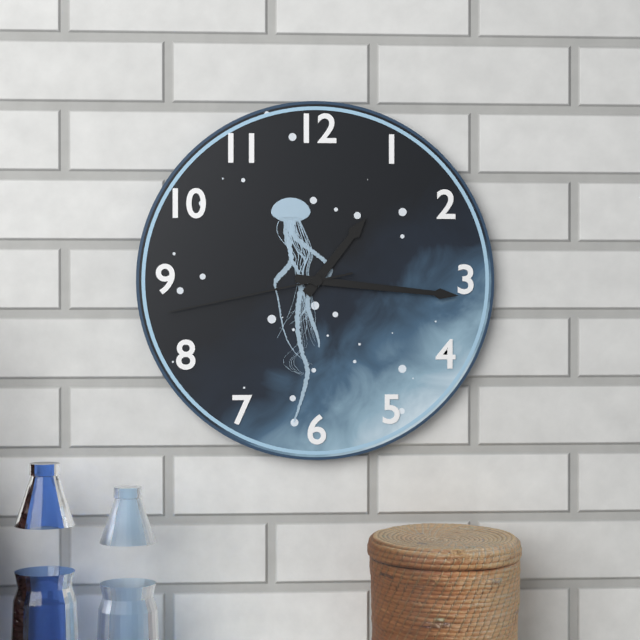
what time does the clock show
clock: 1:16:43
